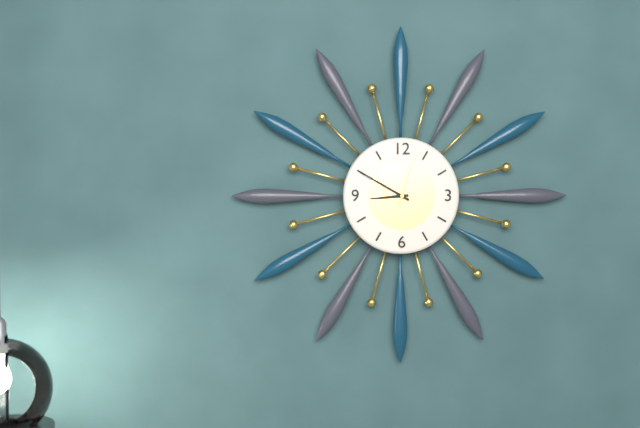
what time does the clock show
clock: 8:50:03
